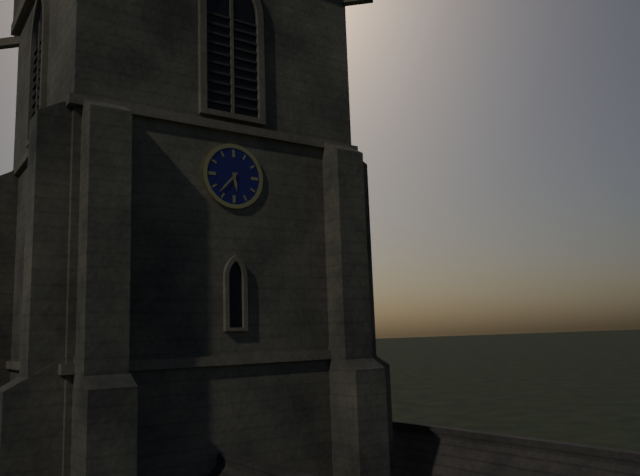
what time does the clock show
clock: 5:37
